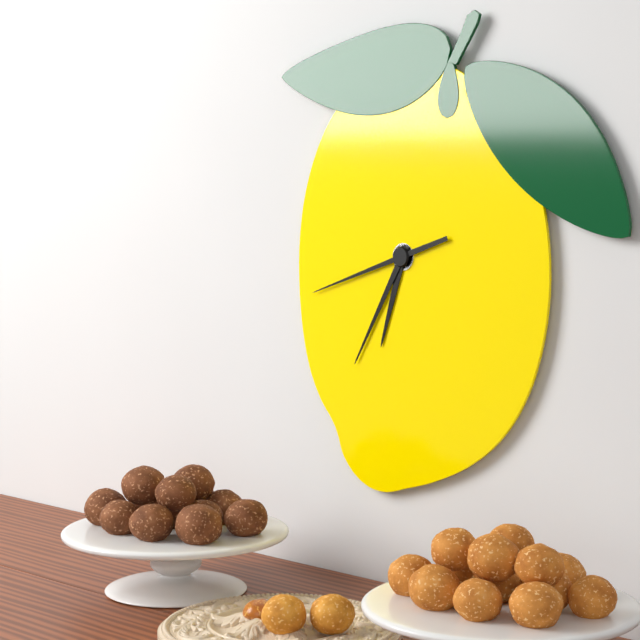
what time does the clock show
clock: 6:35:42
